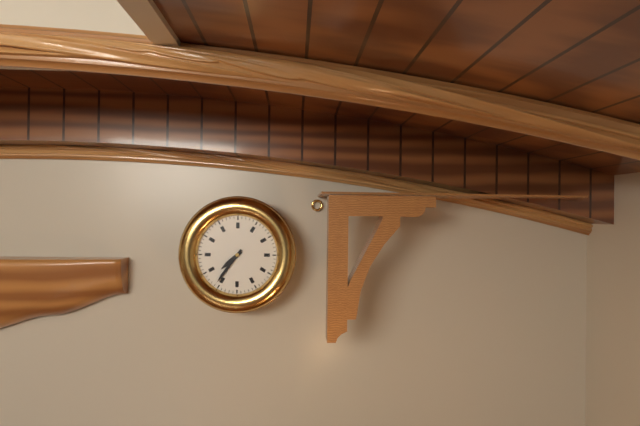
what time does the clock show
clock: 7:36
